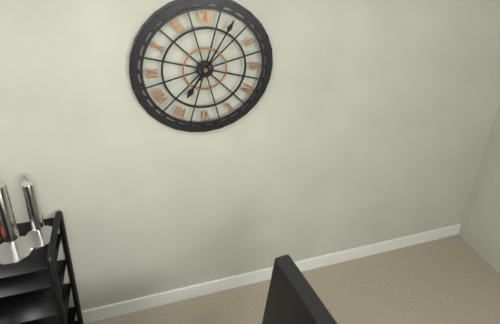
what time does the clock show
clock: 7:05
